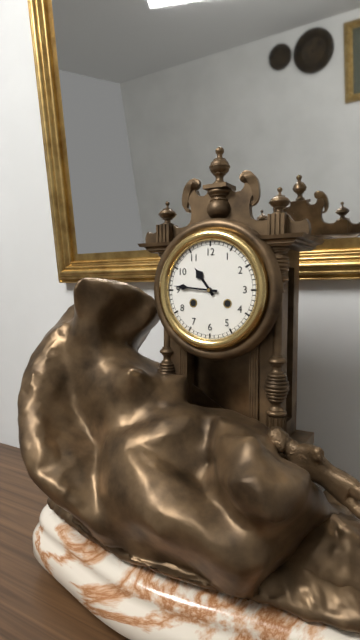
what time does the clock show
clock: 10:46
